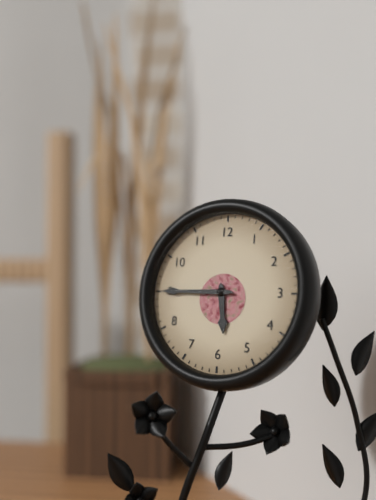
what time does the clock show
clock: 5:45
